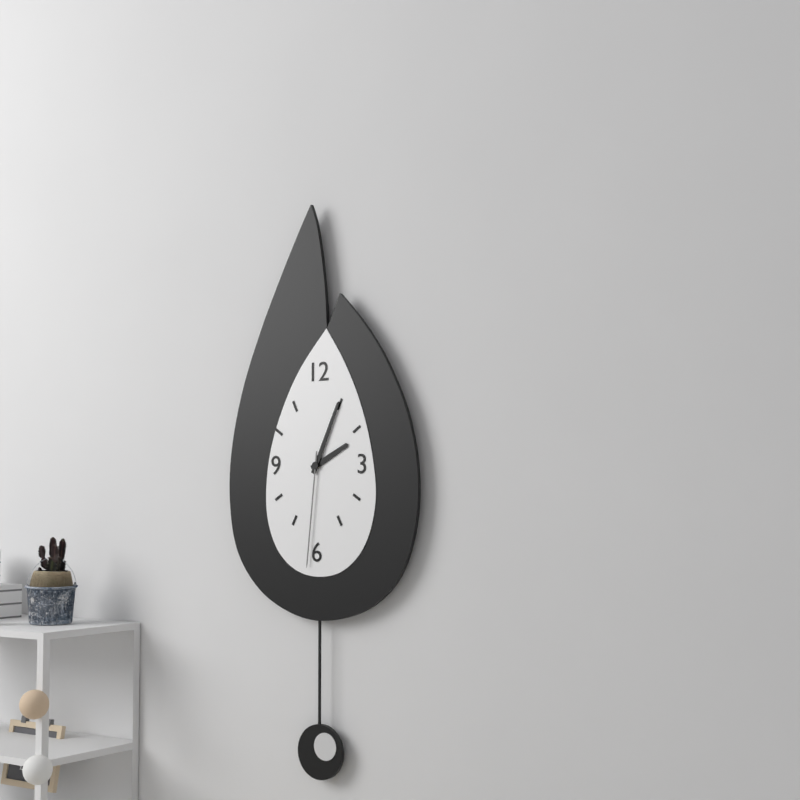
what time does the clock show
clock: 2:04:31
